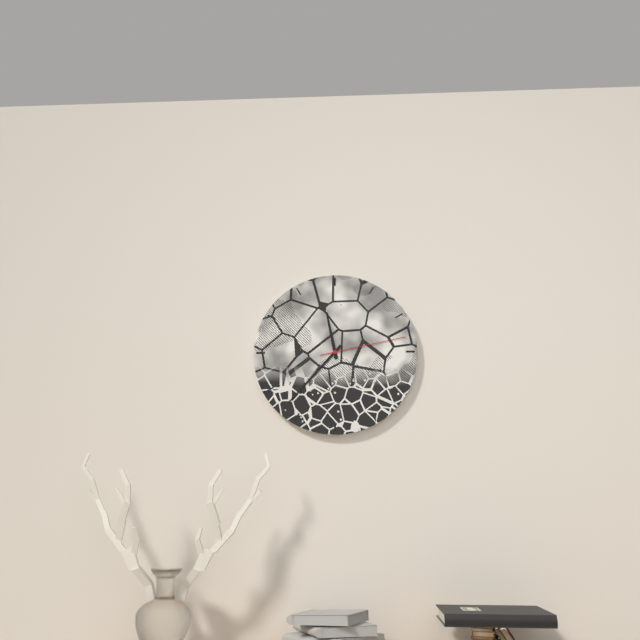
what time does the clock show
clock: 11:37:13
